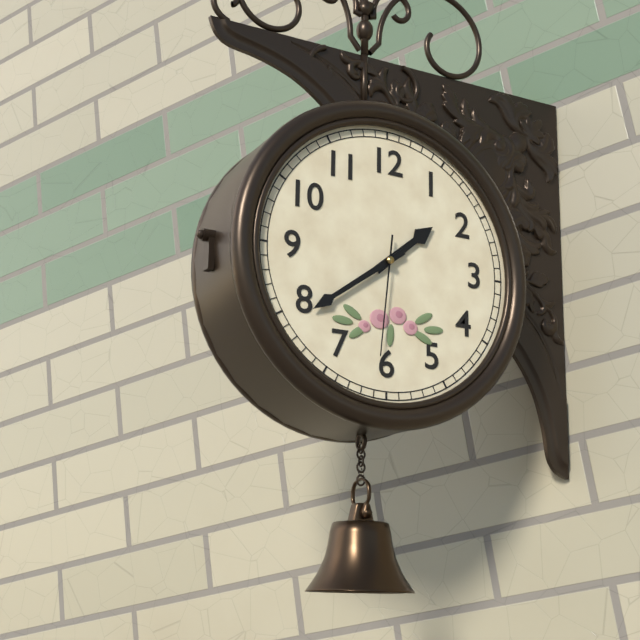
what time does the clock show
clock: 1:39:31
